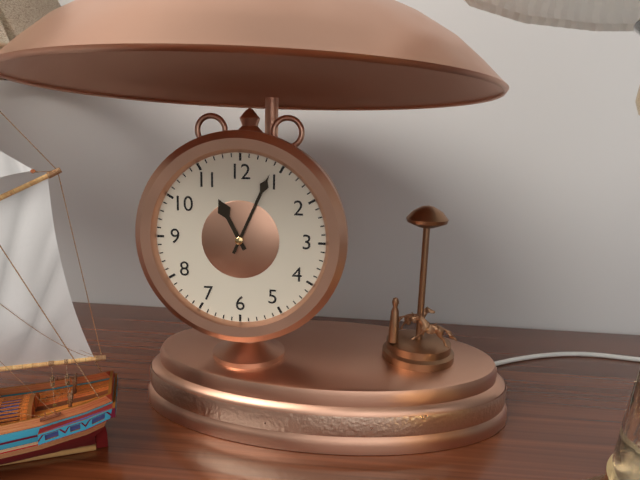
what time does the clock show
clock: 11:04
